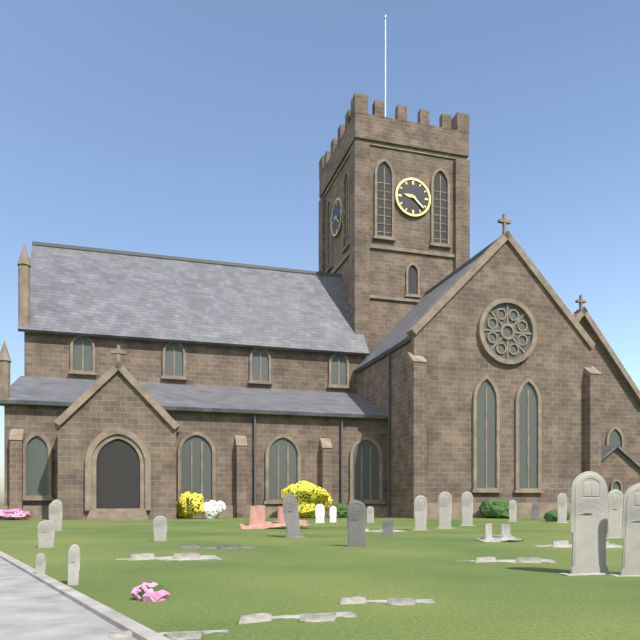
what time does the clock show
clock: 9:22
